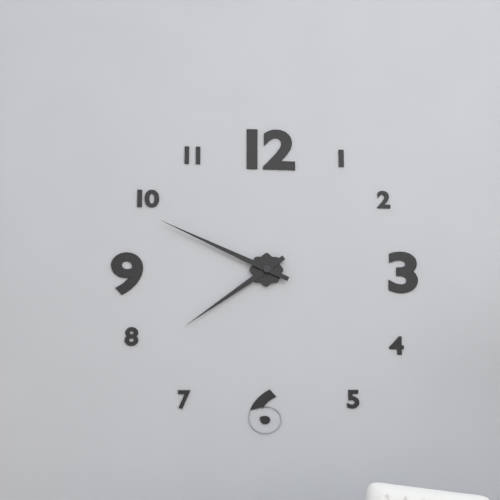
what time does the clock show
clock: 7:49
